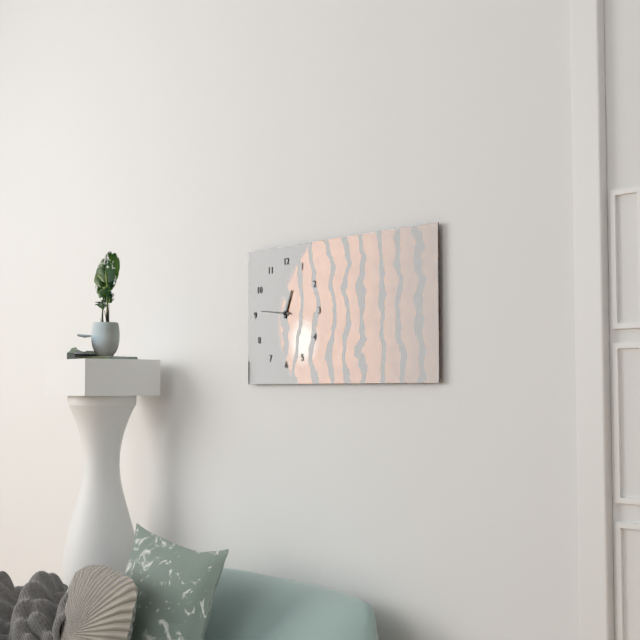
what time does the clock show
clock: 12:46
